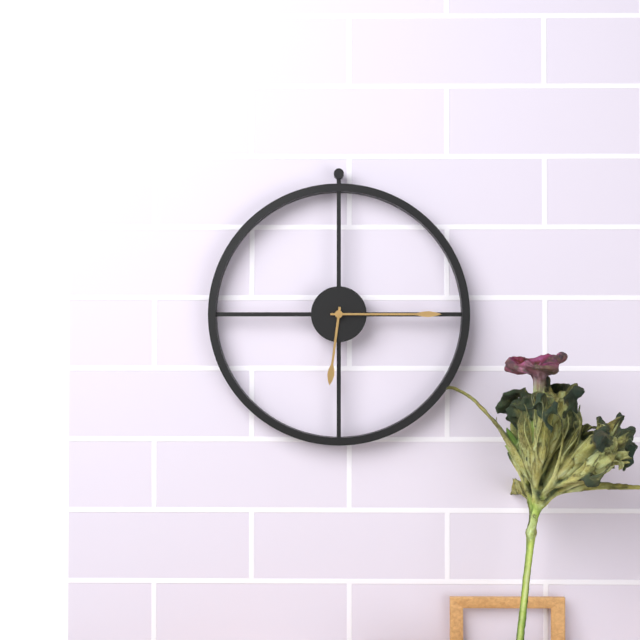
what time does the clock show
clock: 6:15
